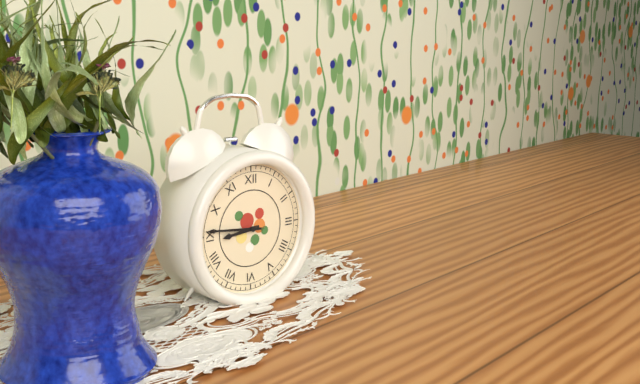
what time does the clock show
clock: 8:46
